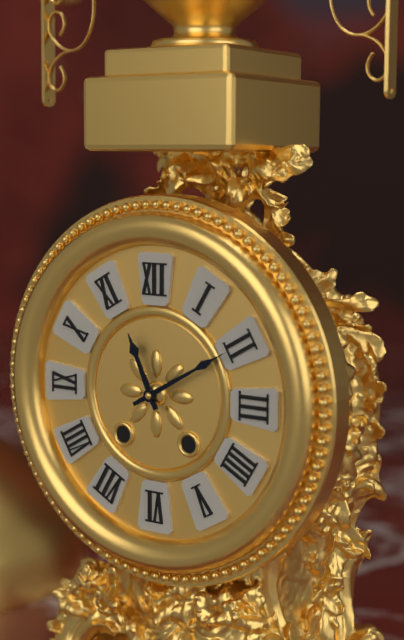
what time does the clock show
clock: 11:10
